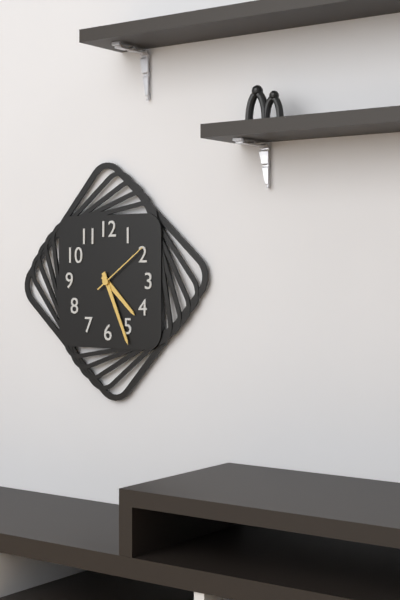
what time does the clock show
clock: 4:26:09
